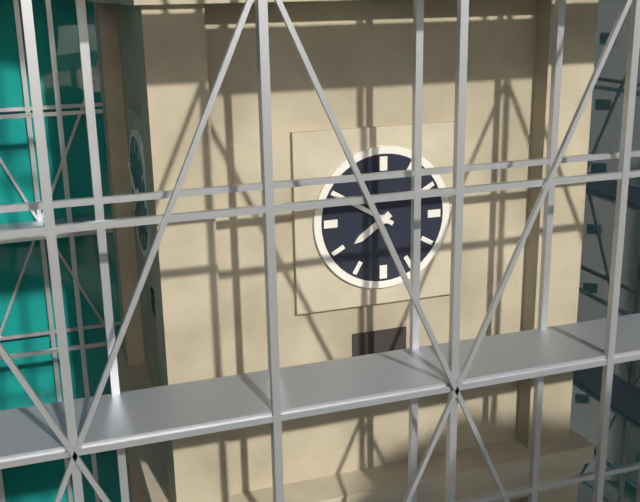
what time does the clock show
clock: 7:50
